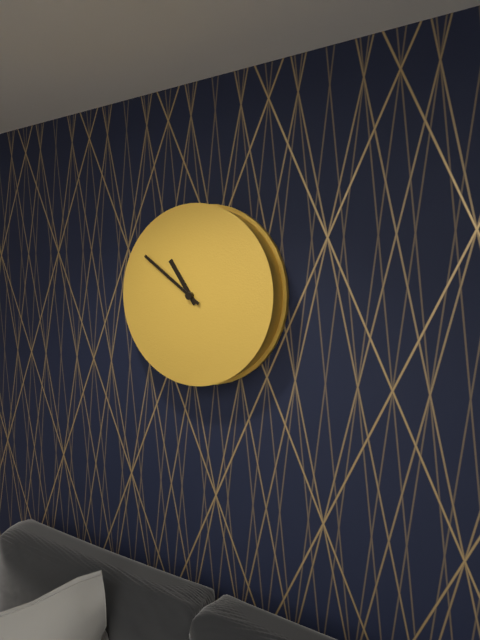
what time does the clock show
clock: 10:51
